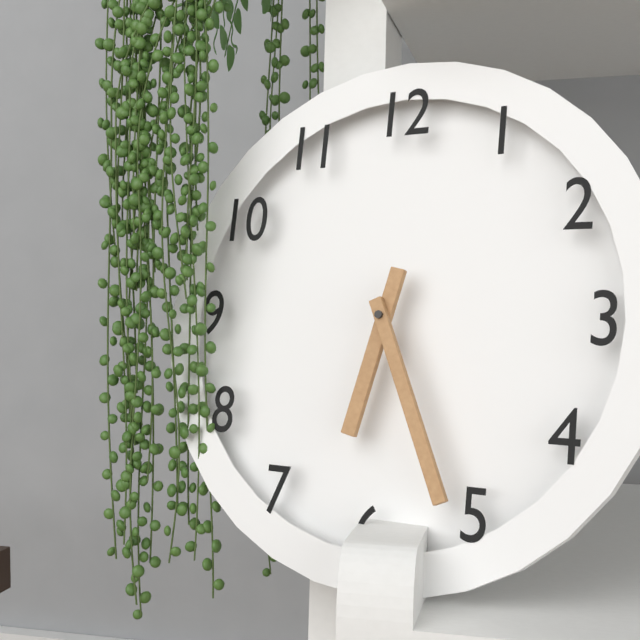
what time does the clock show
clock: 6:26
